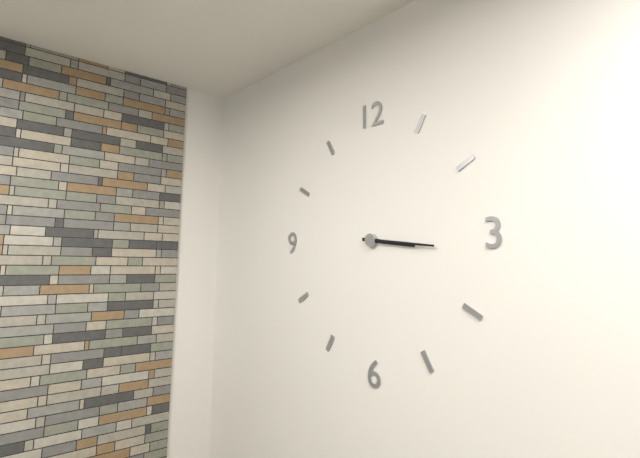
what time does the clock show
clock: 3:16
